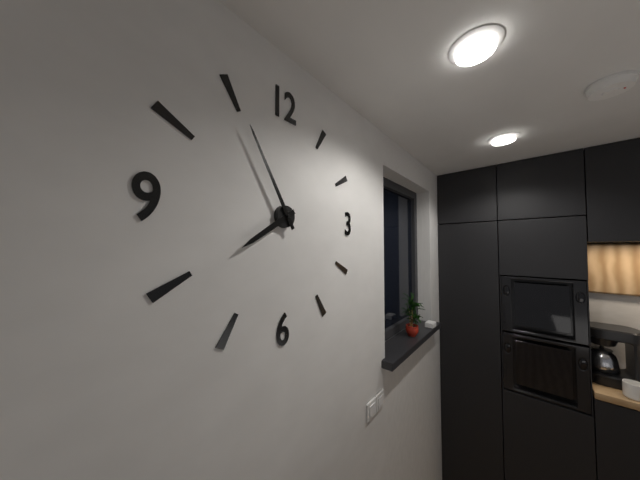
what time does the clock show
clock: 7:55
